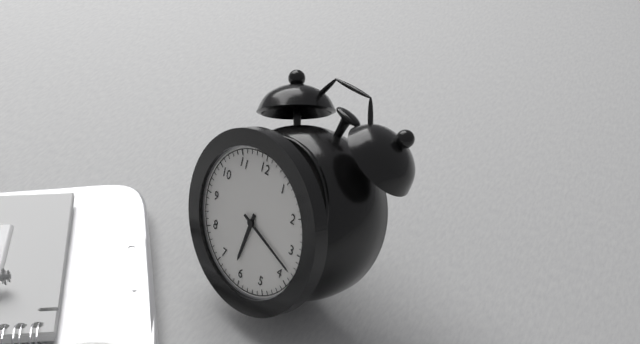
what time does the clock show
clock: 6:18
